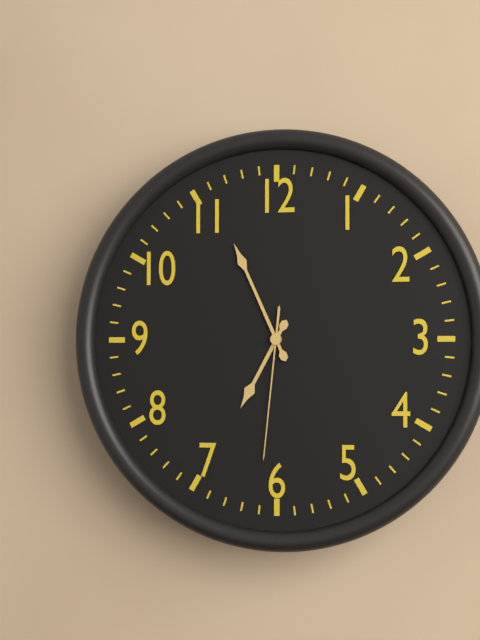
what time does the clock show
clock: 6:56:31
